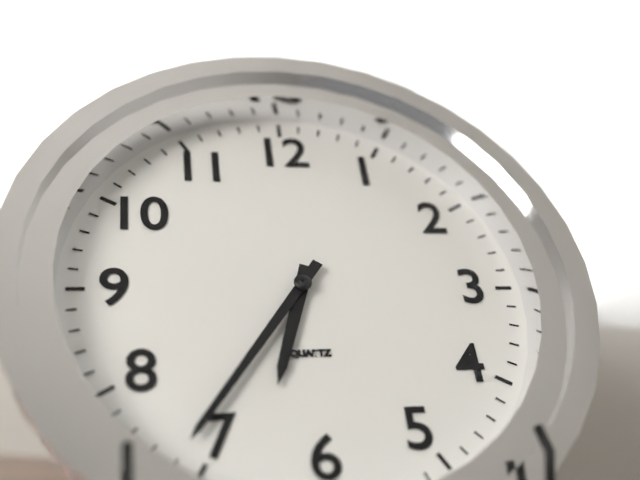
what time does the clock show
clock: 6:36
